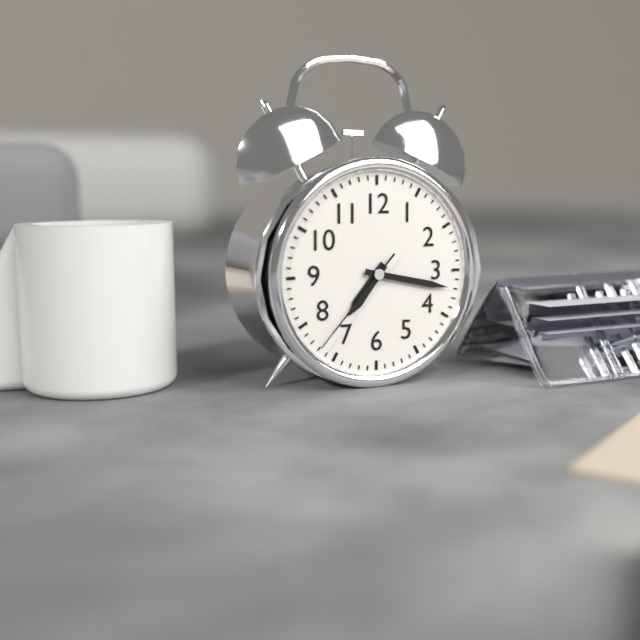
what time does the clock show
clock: 7:17:37
